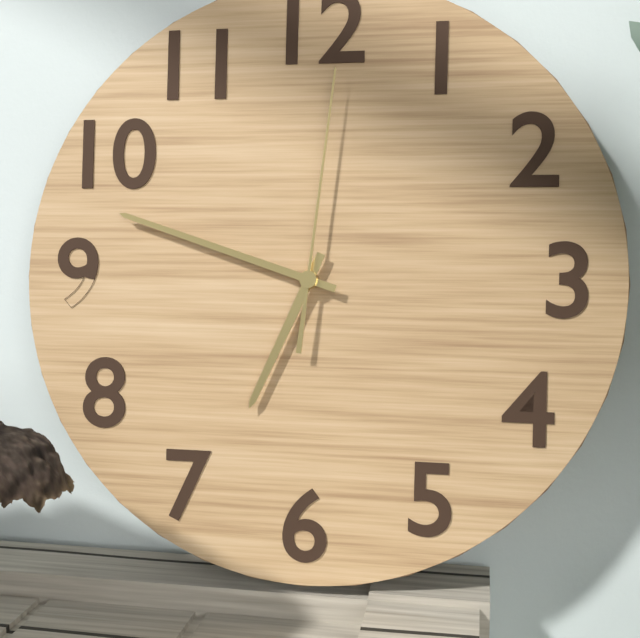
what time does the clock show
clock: 6:48:01
